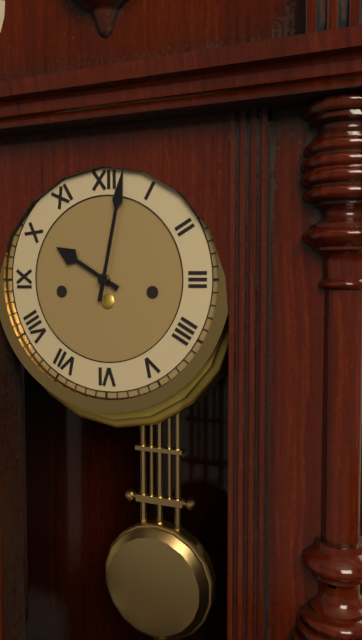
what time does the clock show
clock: 10:02
